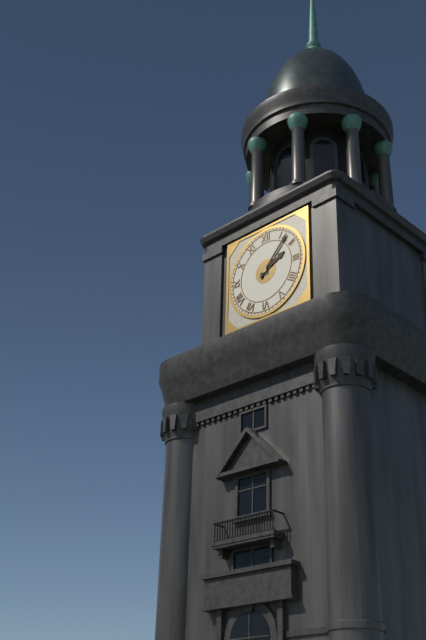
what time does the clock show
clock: 2:07
